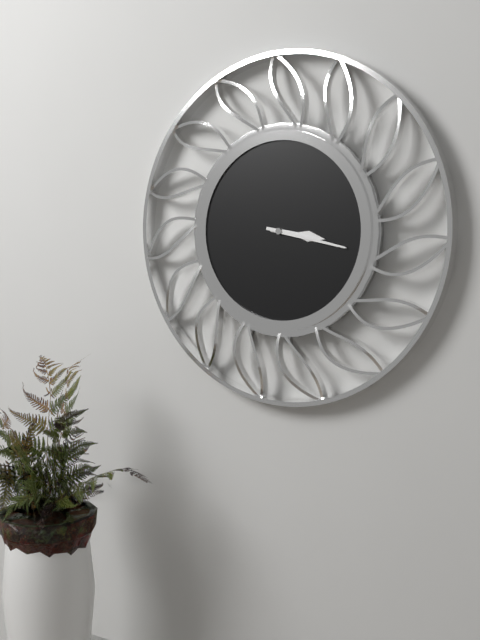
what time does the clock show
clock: 3:17
